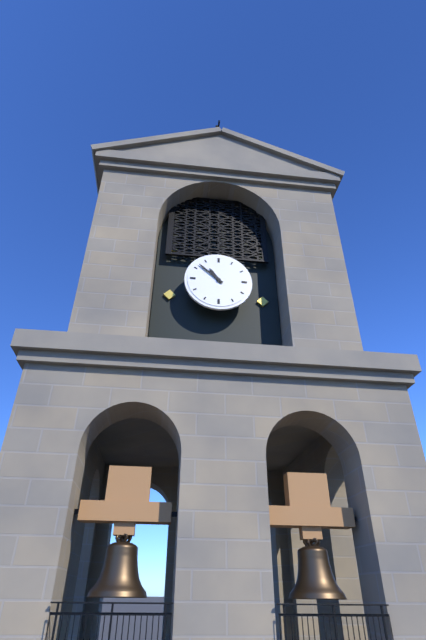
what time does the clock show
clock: 10:52
